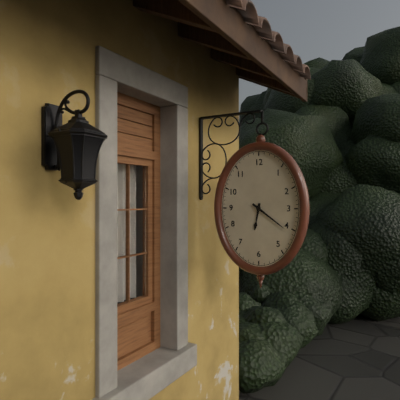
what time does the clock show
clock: 6:21
